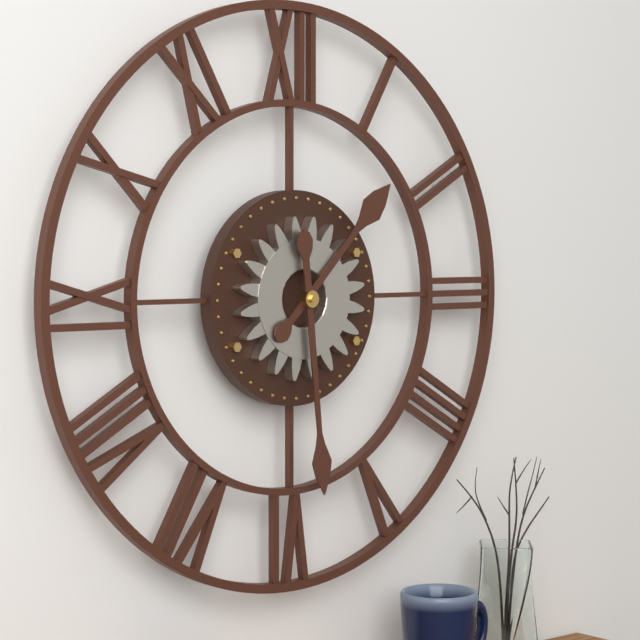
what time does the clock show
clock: 1:29
